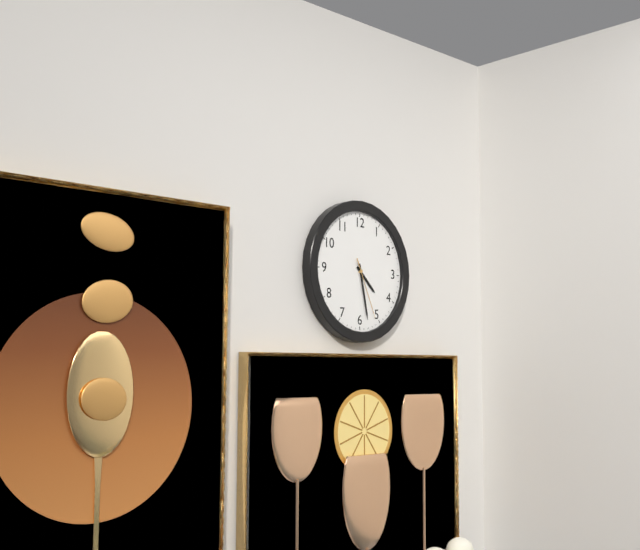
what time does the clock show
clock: 4:28:26
